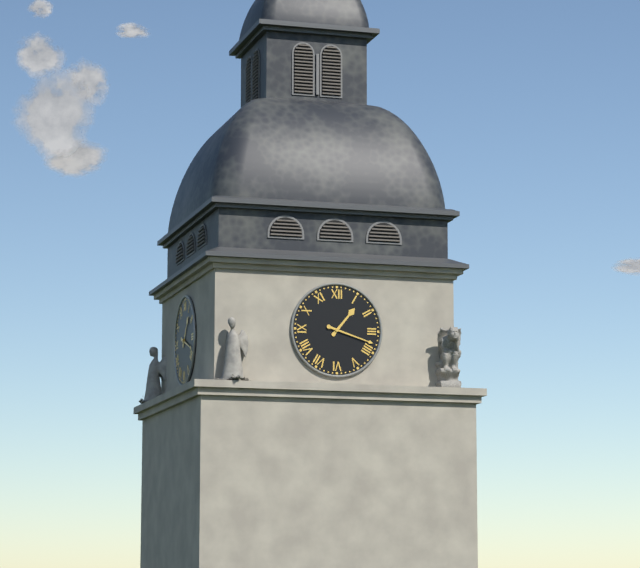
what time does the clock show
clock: 1:18
